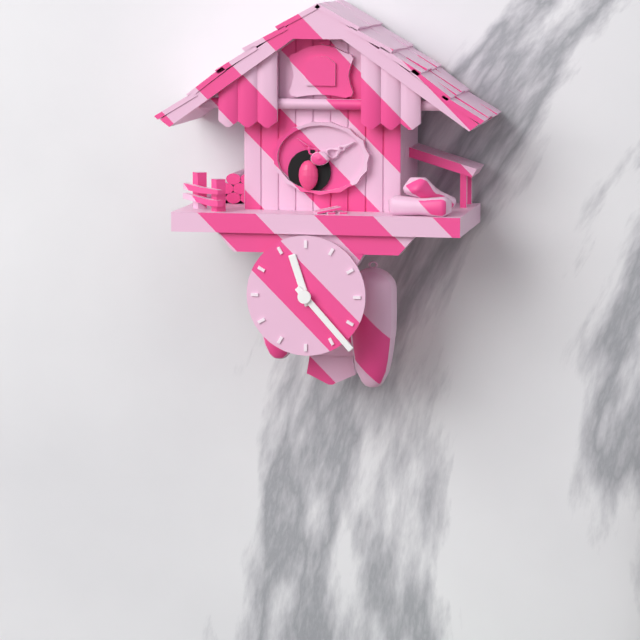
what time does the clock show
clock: 11:23
